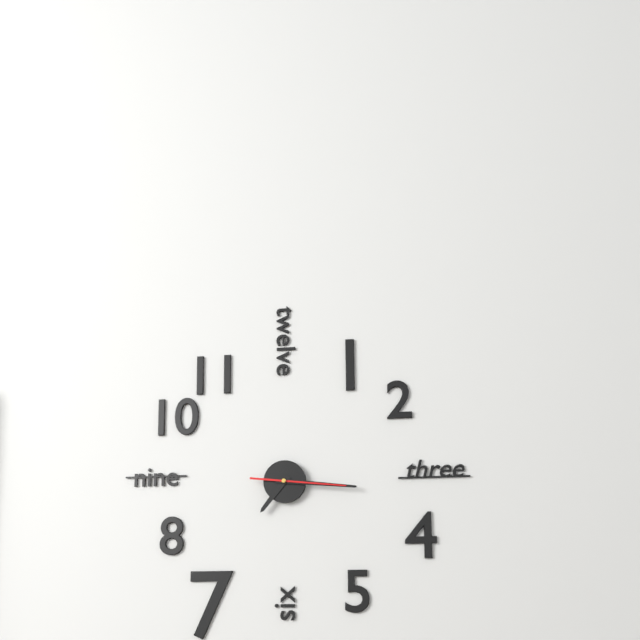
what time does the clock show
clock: 7:16:16
